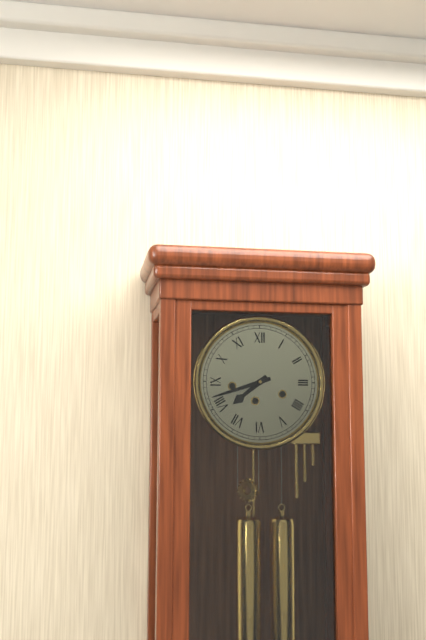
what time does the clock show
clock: 7:42
